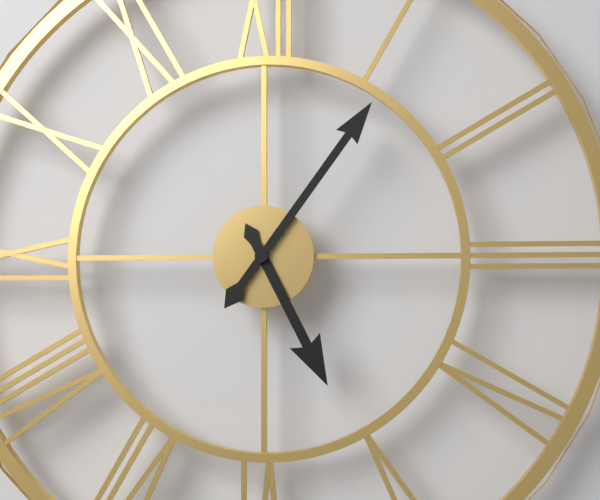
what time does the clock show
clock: 5:06
